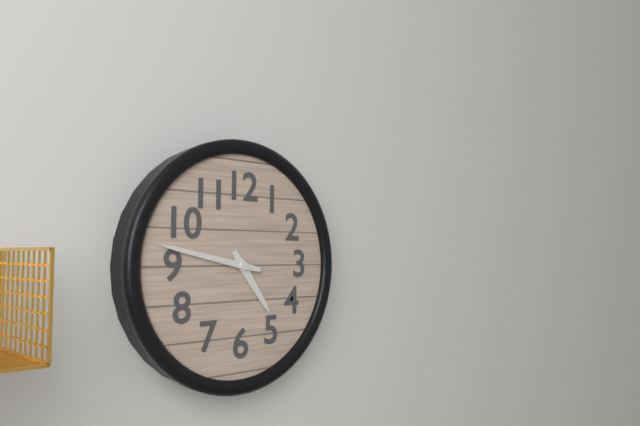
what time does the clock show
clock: 4:47
